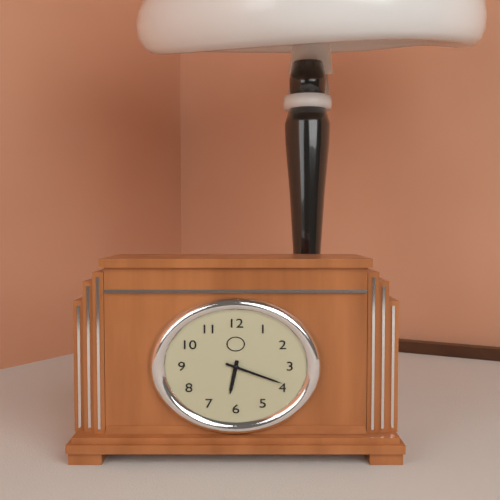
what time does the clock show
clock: 6:19
